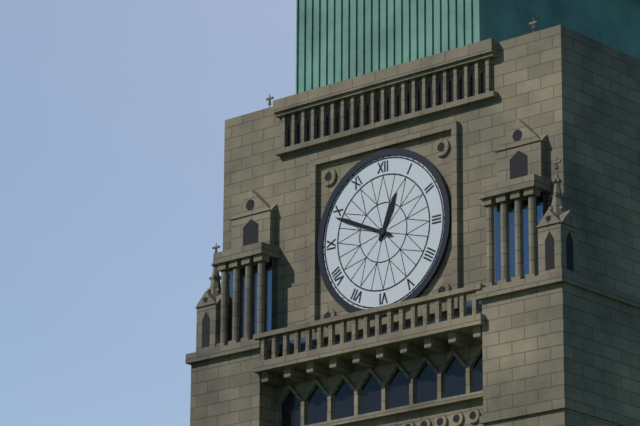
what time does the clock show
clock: 12:49
